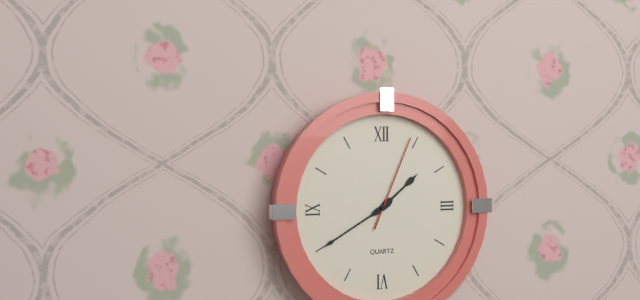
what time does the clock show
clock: 1:40:04
